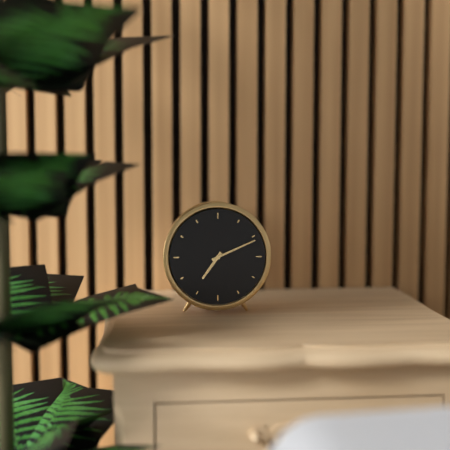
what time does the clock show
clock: 7:11
